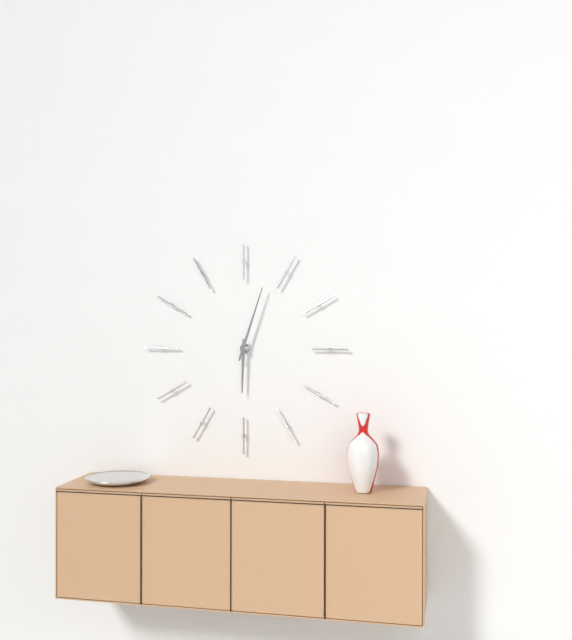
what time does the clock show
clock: 6:03
